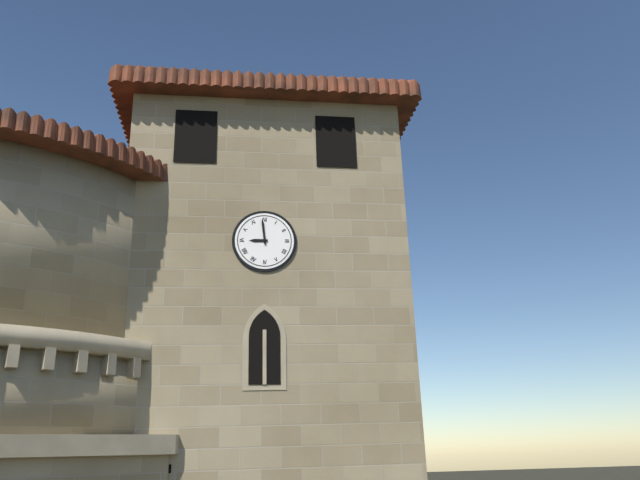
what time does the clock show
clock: 8:59
